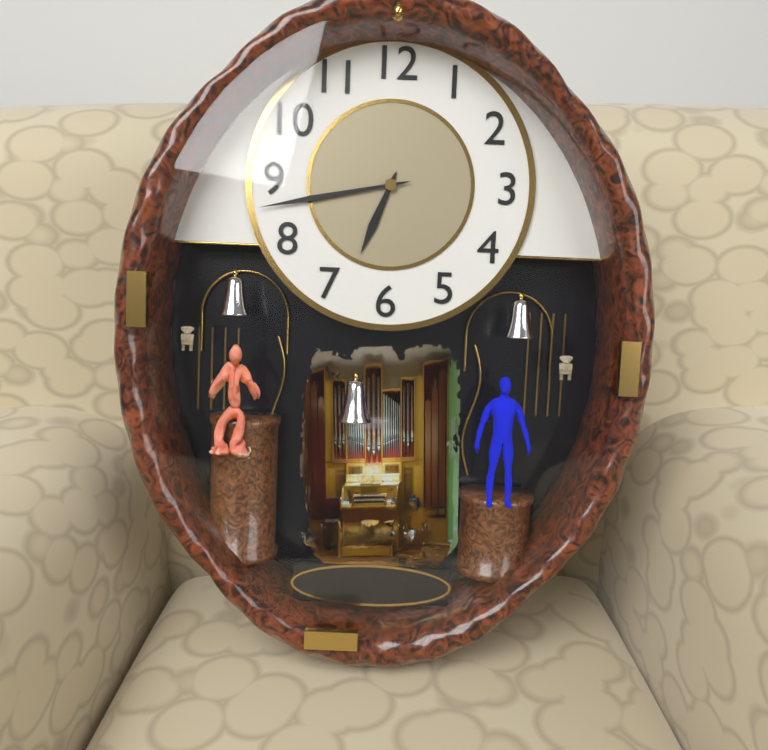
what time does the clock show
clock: 6:43
